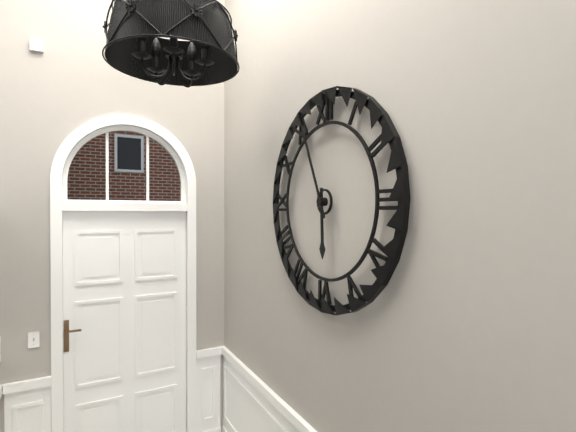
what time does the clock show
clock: 5:56
